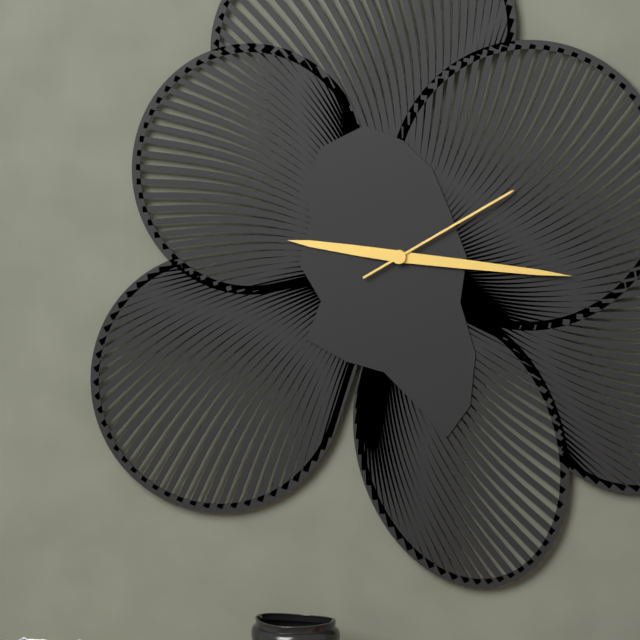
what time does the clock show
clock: 9:16:10
